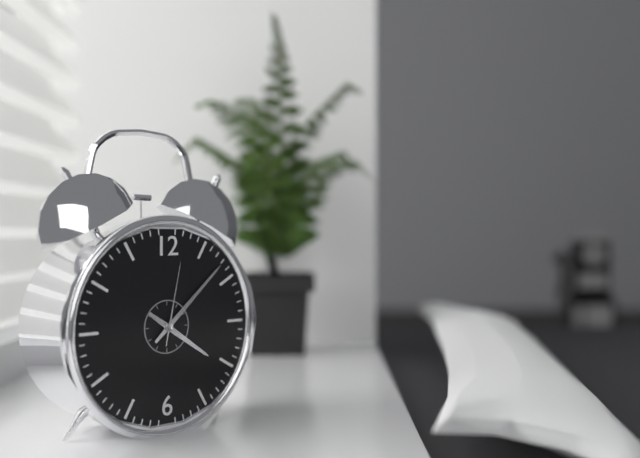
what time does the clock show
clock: 4:08:02
